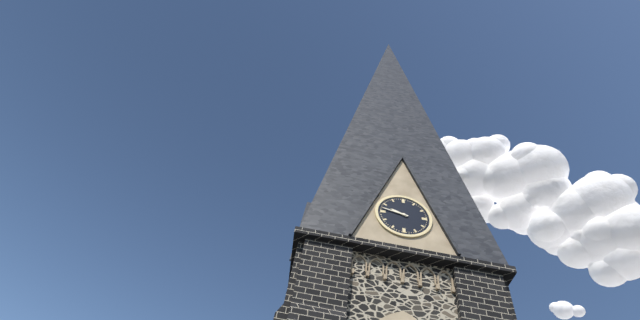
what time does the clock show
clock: 9:47
